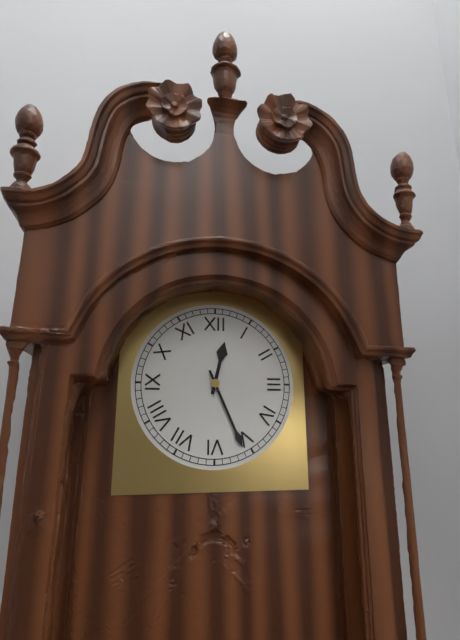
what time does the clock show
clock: 12:26
